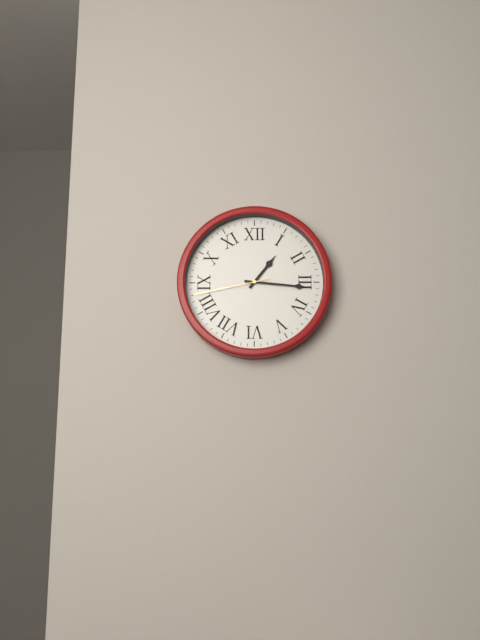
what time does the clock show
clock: 1:16:43
